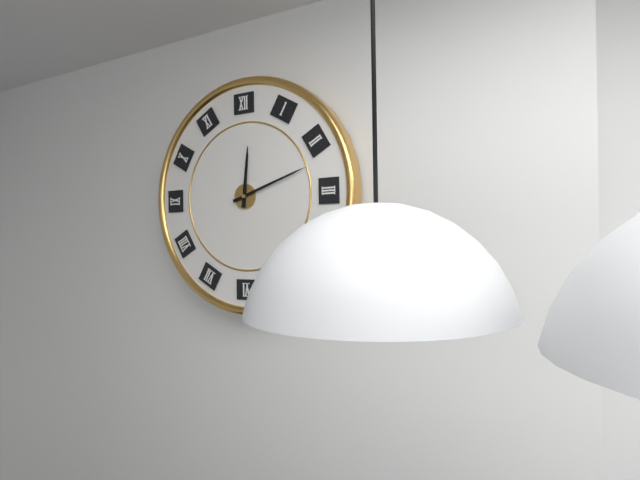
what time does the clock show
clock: 12:12
